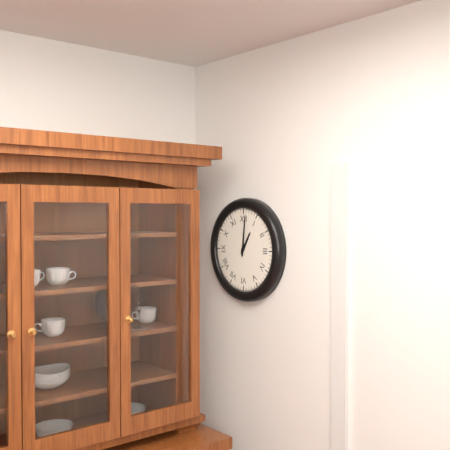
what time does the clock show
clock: 1:01
